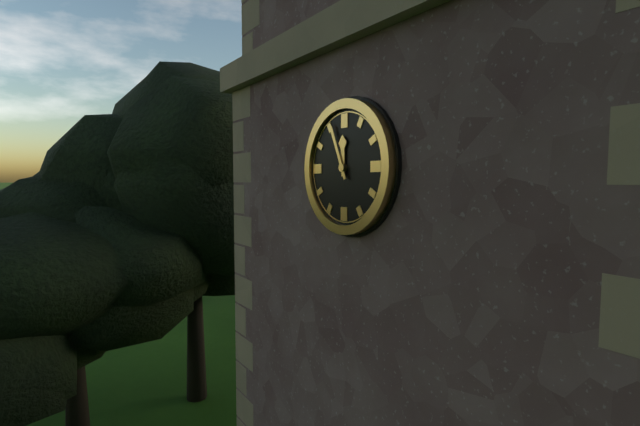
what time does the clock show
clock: 11:56
